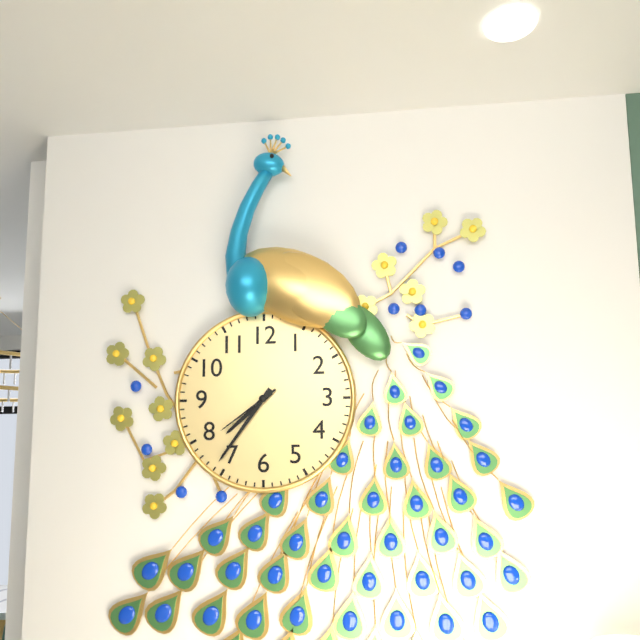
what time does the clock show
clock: 7:36:39
